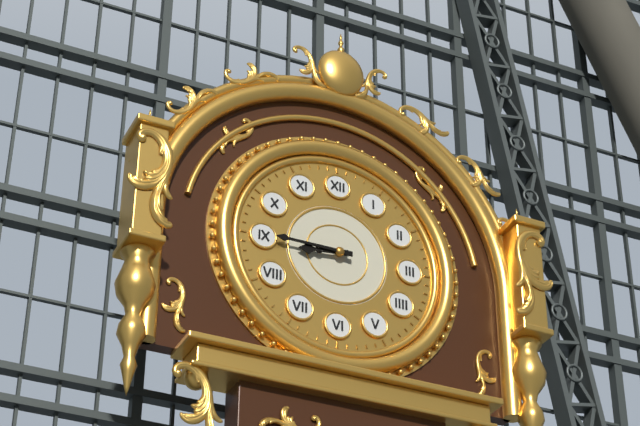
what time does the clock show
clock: 8:45
